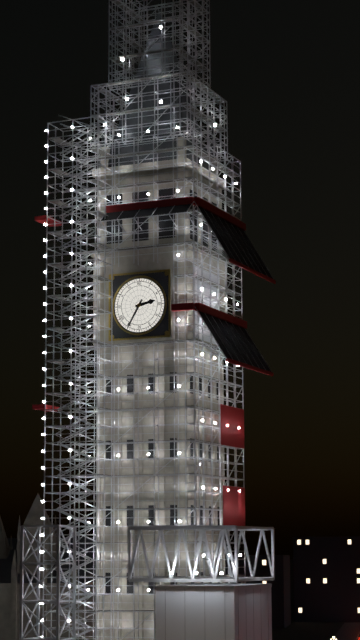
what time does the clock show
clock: 2:35
